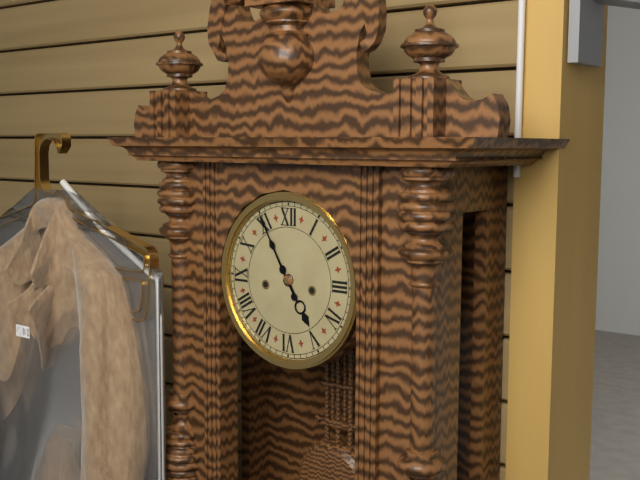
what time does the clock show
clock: 4:55
